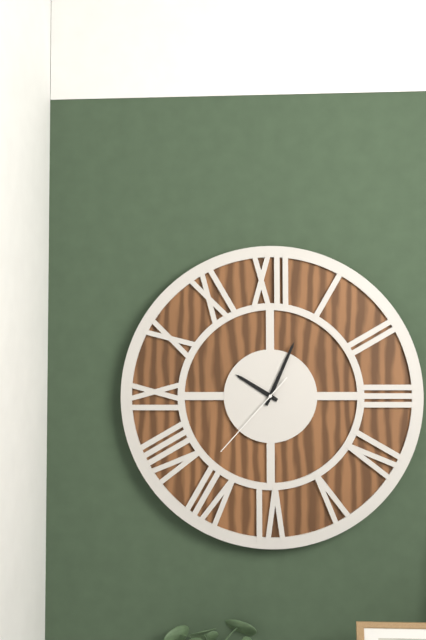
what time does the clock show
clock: 10:04:37
